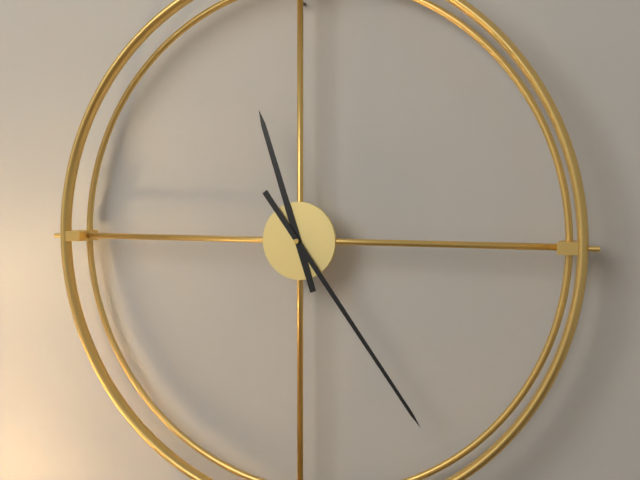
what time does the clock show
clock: 11:24
